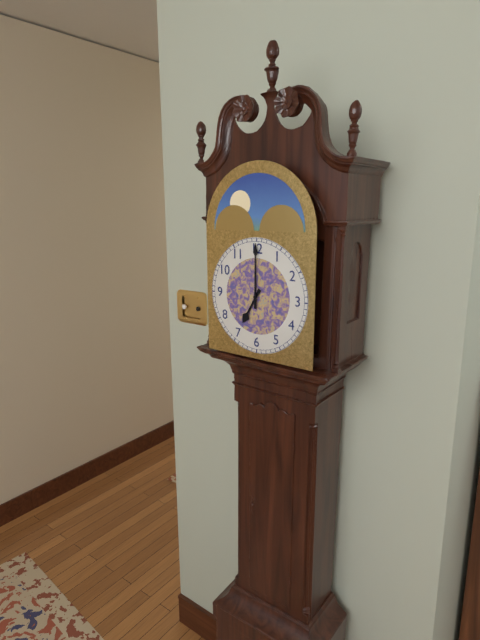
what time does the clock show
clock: 7:00
